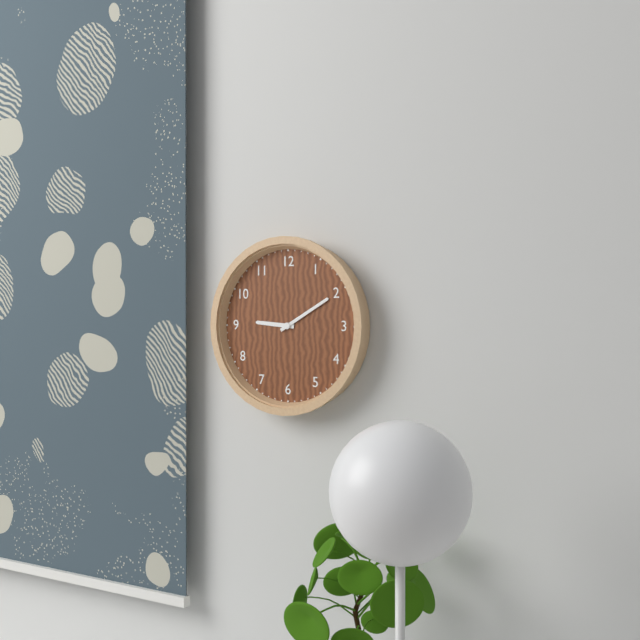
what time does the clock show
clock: 9:10
